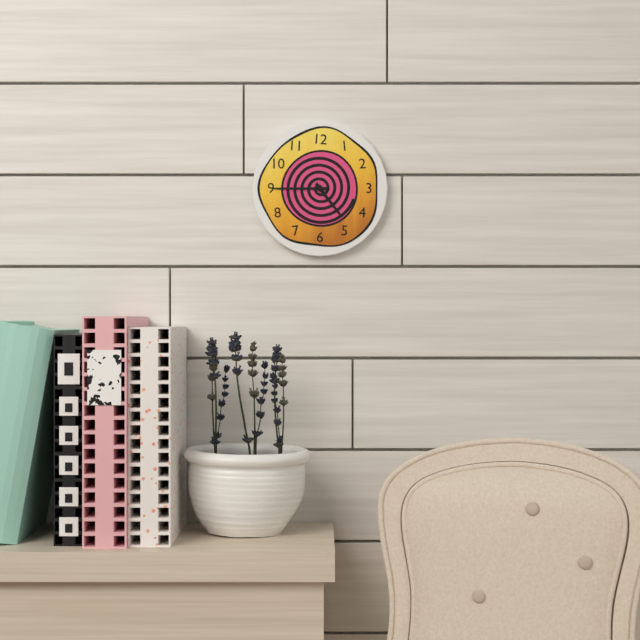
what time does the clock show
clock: 4:45
